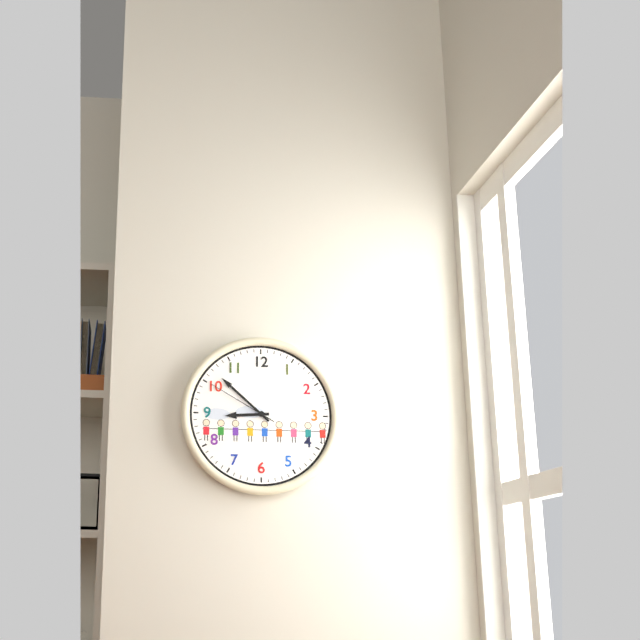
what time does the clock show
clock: 8:52:50
